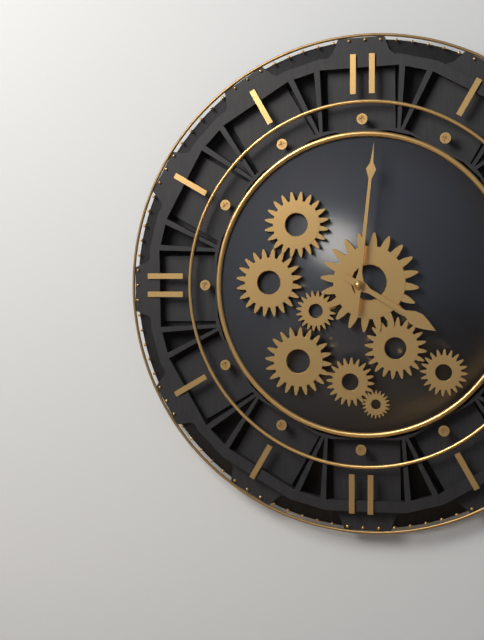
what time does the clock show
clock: 4:01
